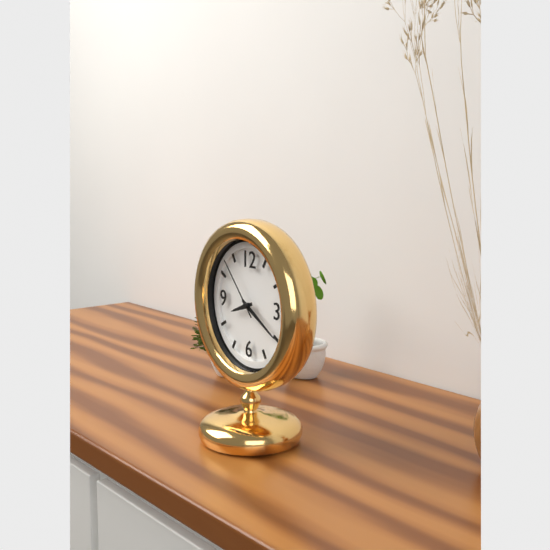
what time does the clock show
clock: 8:20:53
